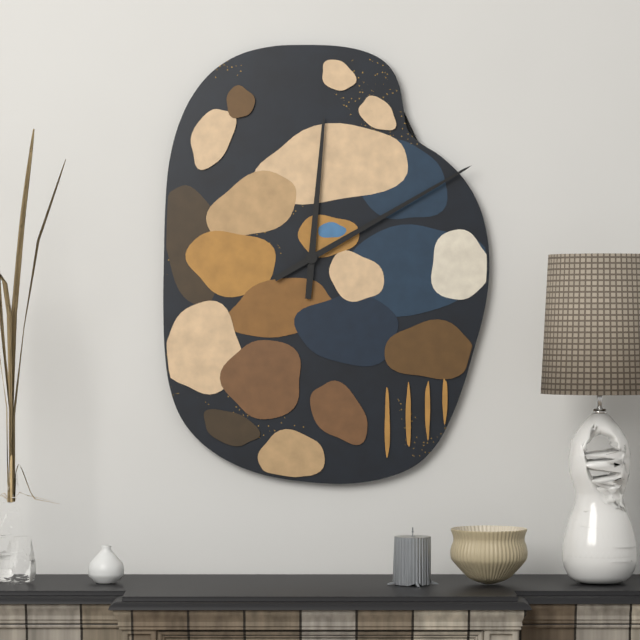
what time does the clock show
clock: 12:10
